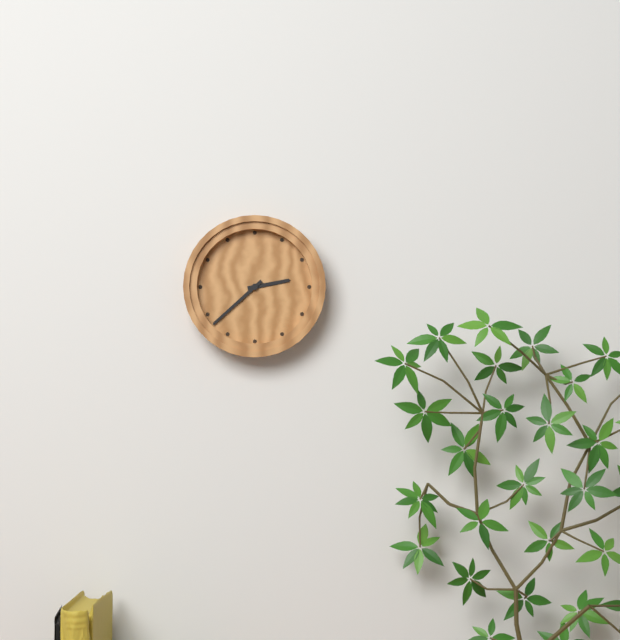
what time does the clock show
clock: 2:38
